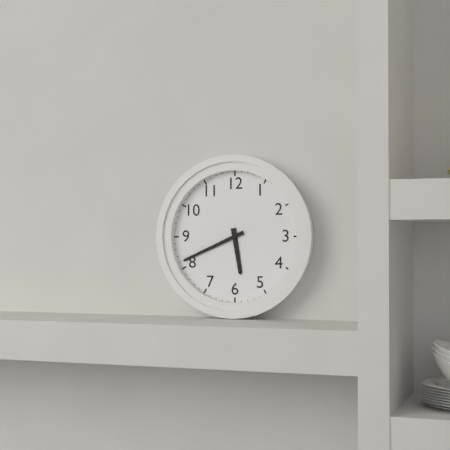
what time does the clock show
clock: 5:41
